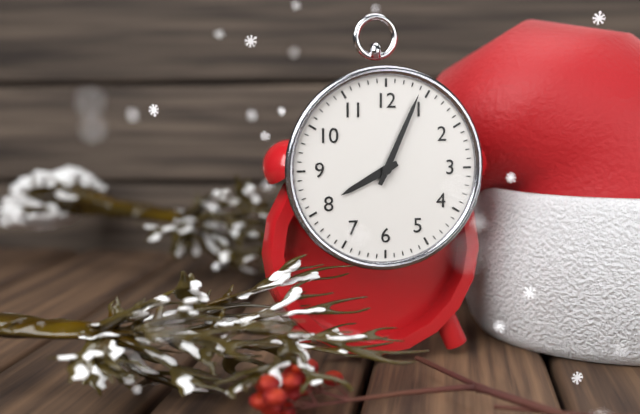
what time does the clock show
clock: 8:04
